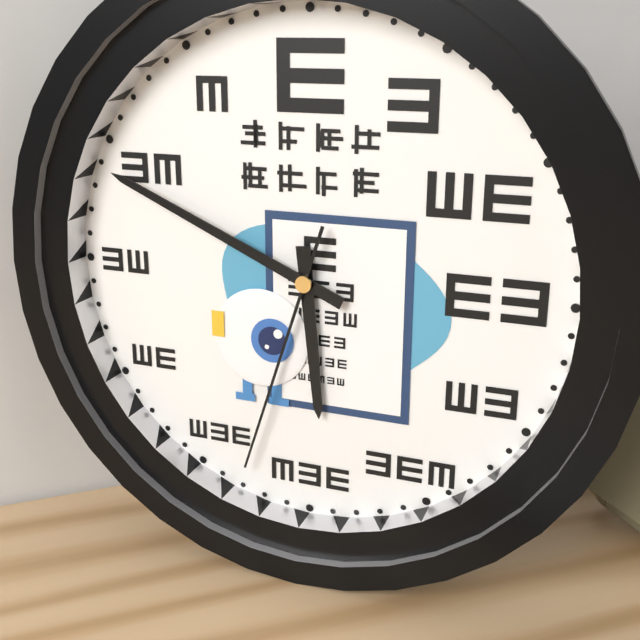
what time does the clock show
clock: 5:49:33
